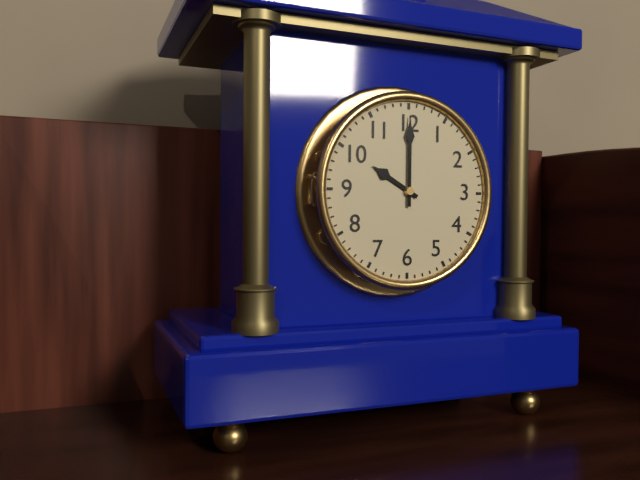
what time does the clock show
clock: 10:00
